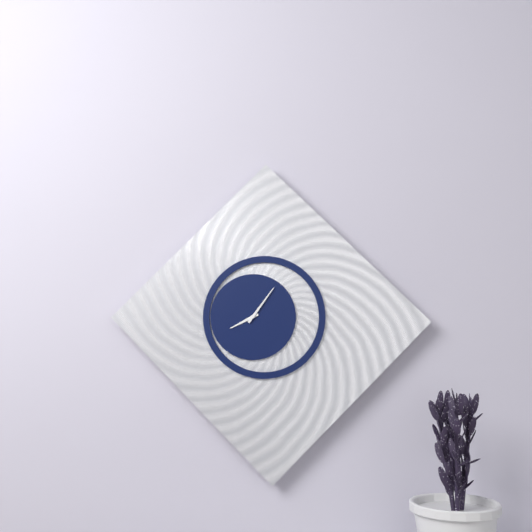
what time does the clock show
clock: 8:06
